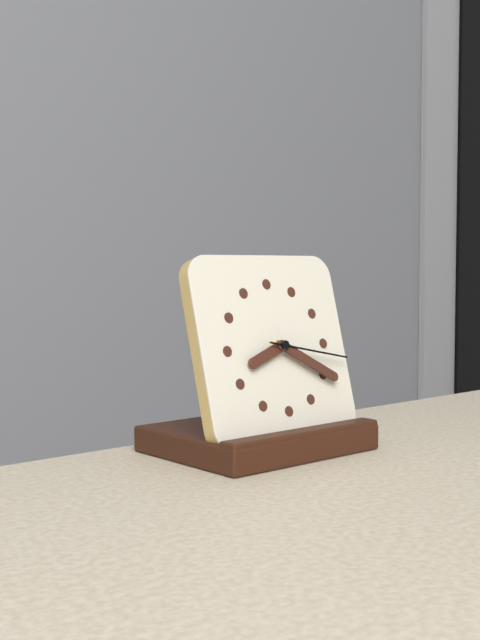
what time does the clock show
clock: 8:20:17
